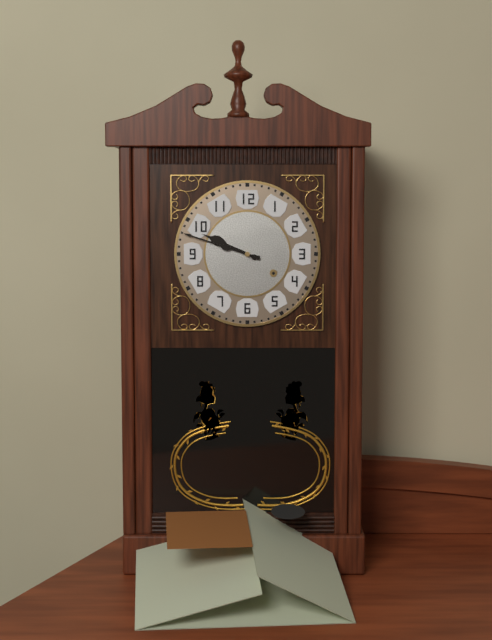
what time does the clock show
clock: 9:48
